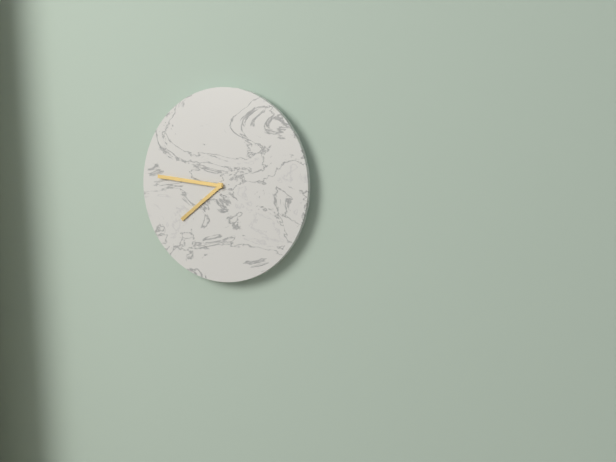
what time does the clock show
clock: 7:46
